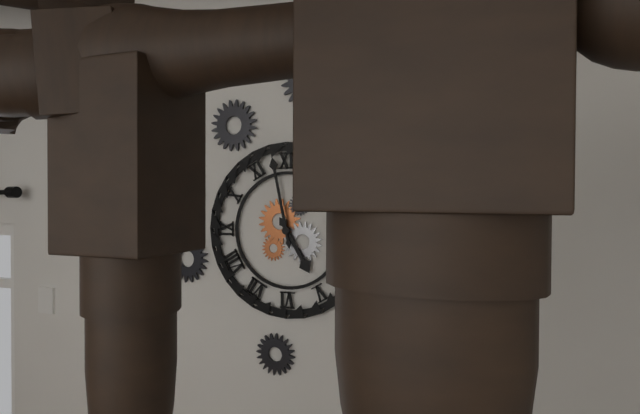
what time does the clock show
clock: 4:58
